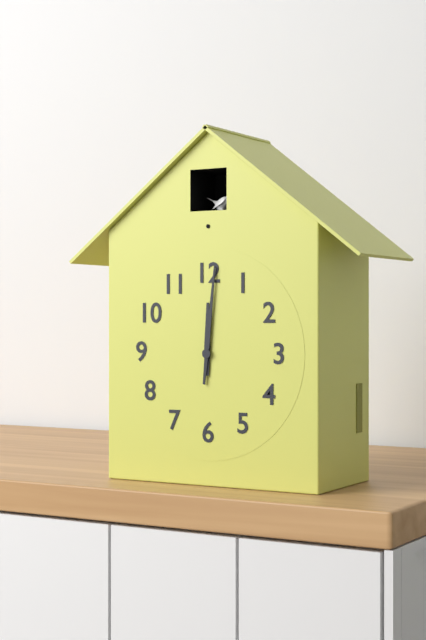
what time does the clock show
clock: 12:01
